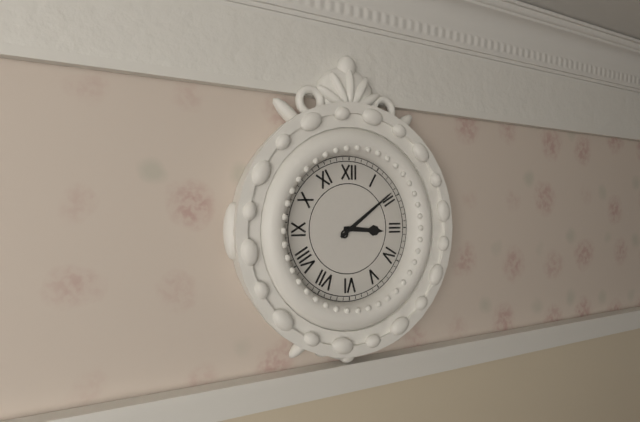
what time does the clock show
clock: 3:09
